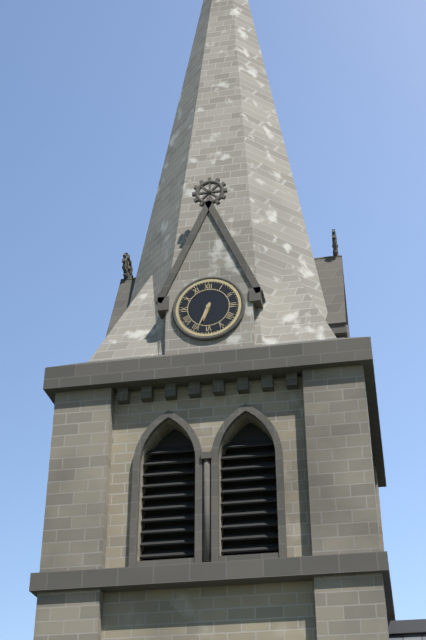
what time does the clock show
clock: 6:34
